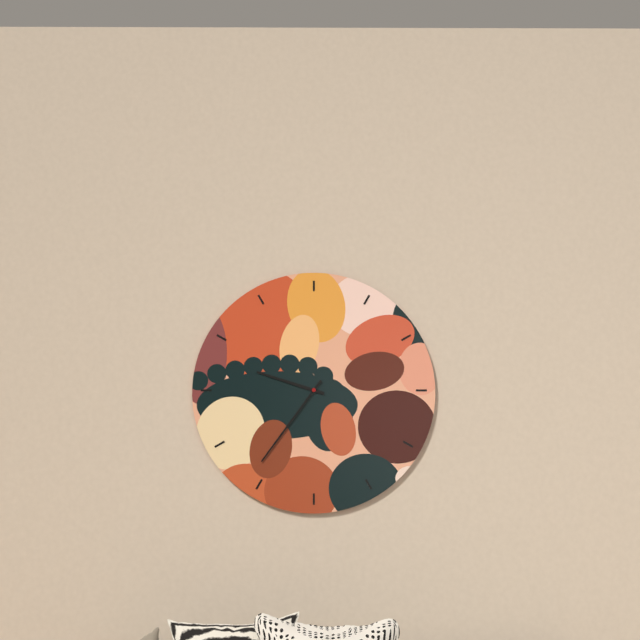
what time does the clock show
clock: 9:36
